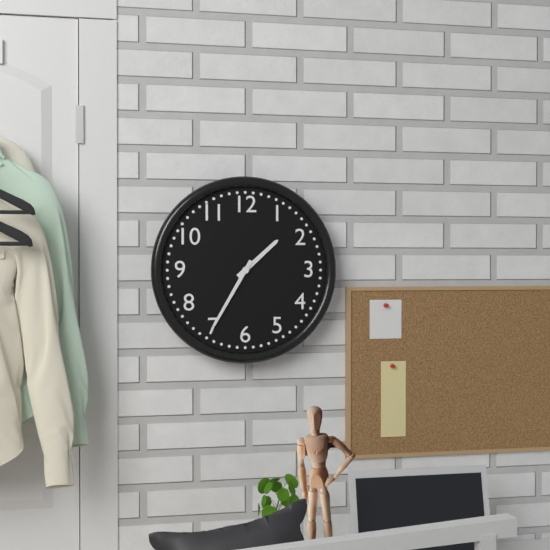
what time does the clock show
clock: 1:35
